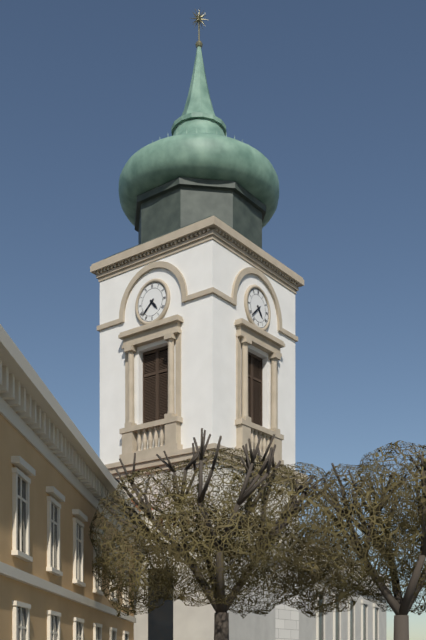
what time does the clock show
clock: 4:38
